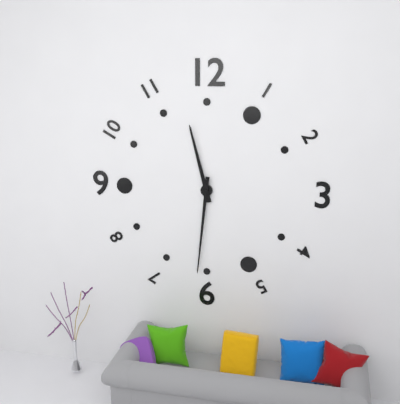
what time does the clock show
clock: 11:31
